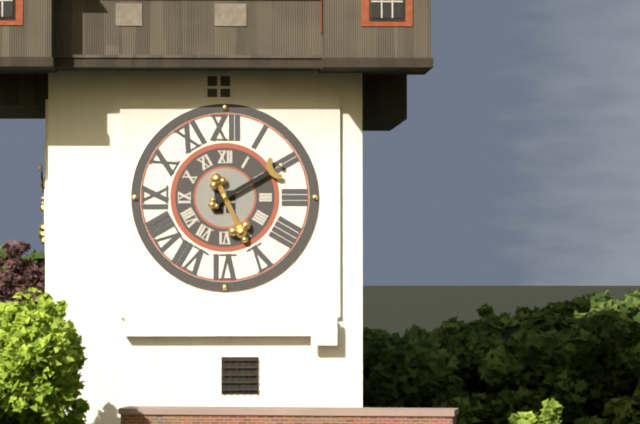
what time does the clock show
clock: 5:10
